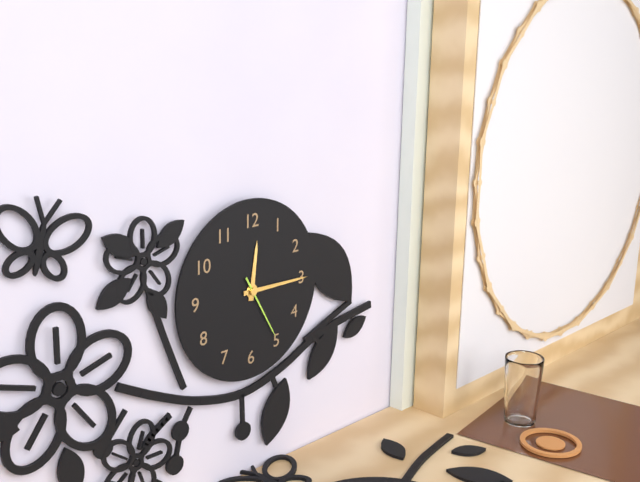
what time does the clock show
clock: 12:15:25
